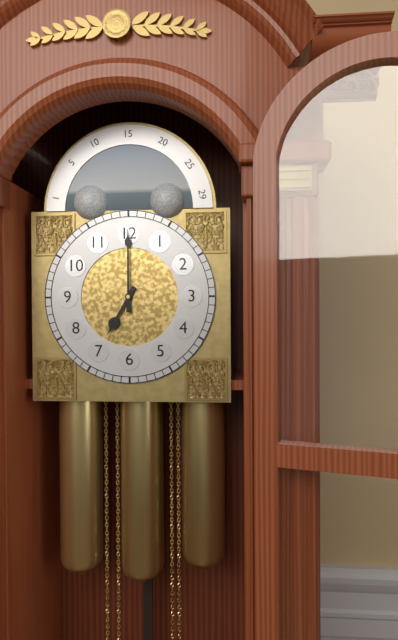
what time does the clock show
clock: 7:00
